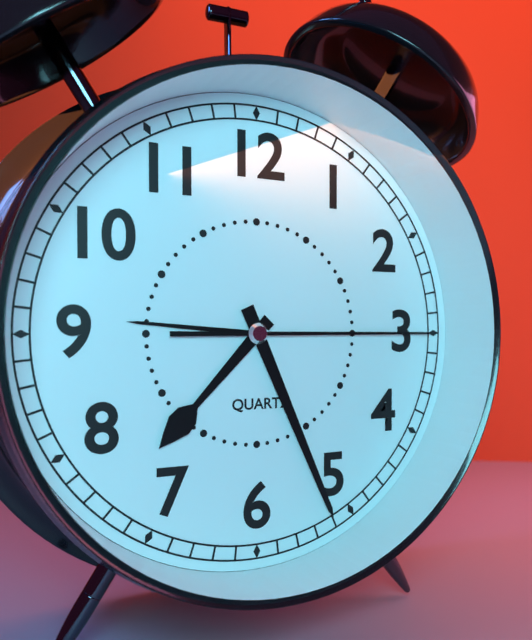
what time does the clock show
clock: 7:26:15
